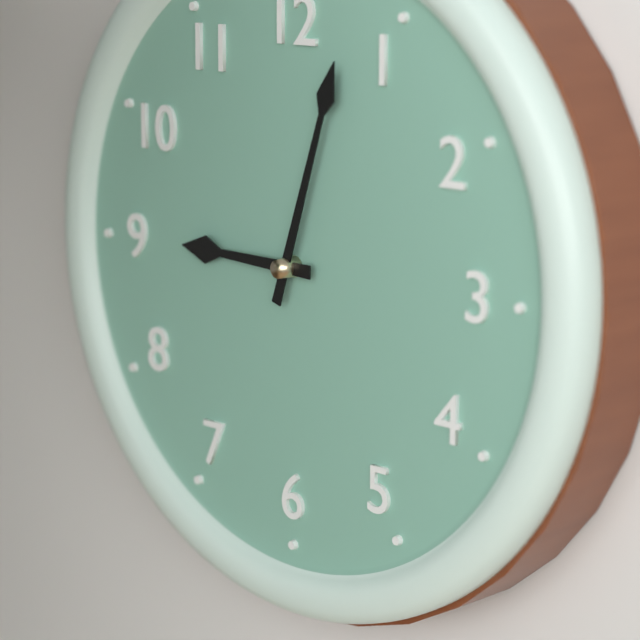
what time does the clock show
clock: 9:03
